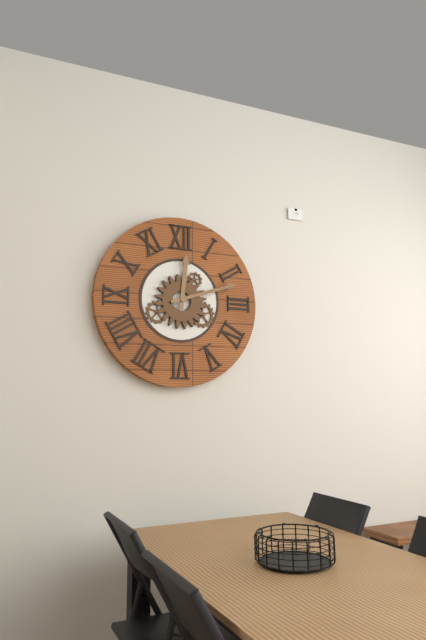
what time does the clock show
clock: 12:12
